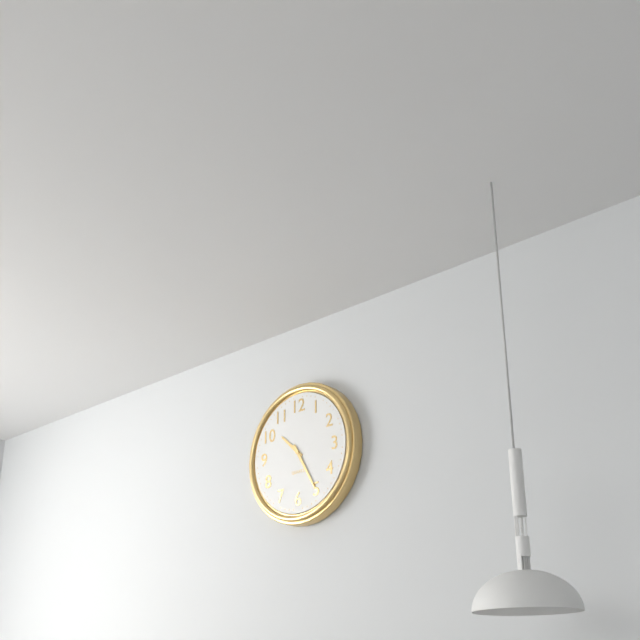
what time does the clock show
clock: 10:25
